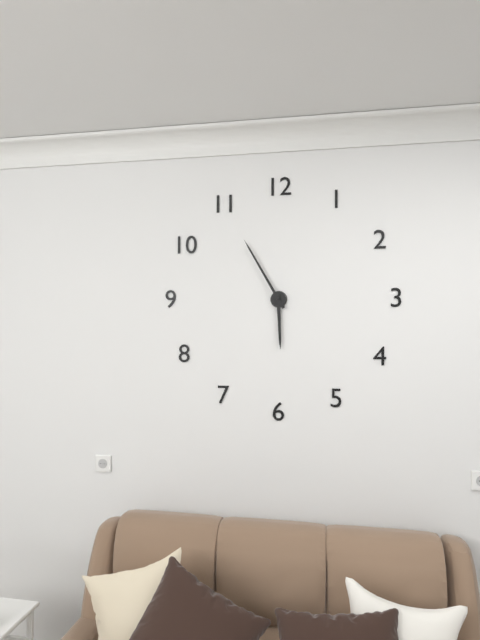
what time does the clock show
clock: 5:55
